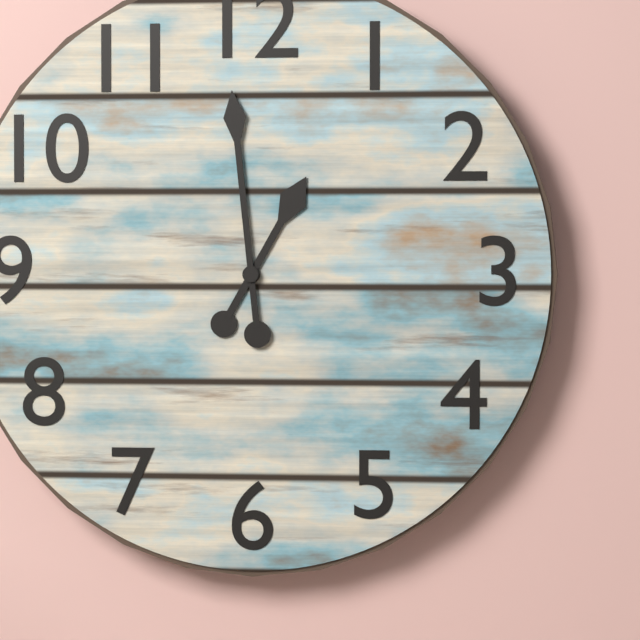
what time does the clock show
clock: 12:59
